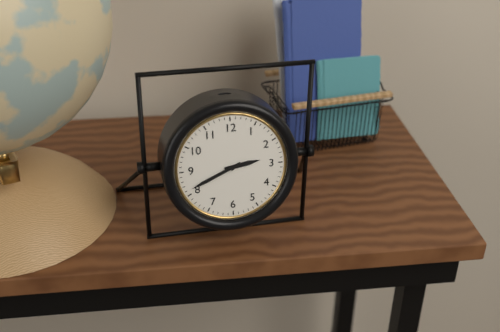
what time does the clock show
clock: 2:41
